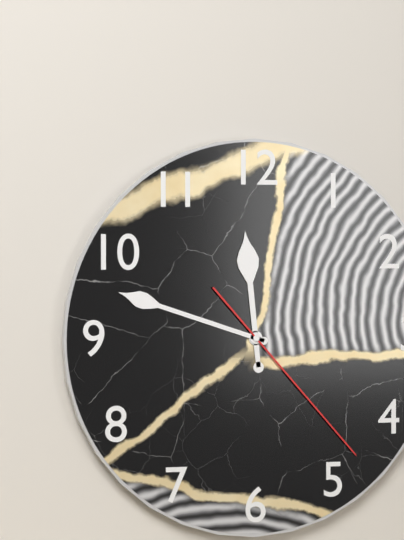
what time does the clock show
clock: 11:48:23
